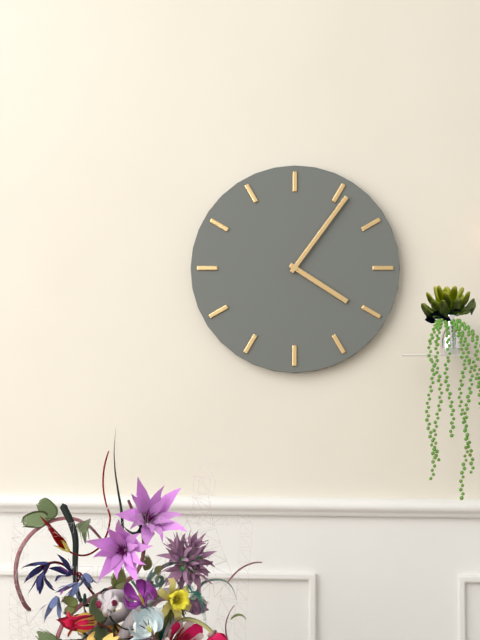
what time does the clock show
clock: 4:06
